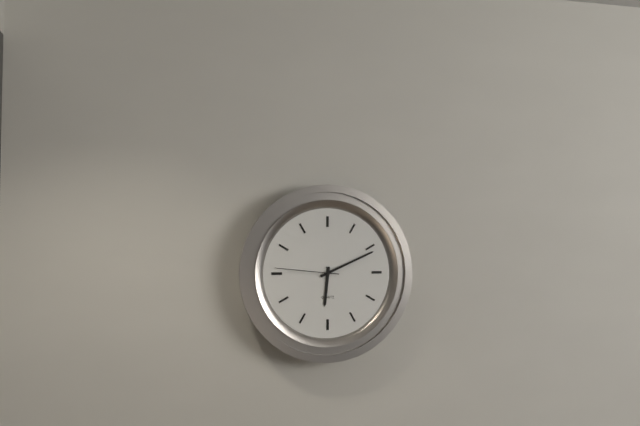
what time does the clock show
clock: 6:11:46
